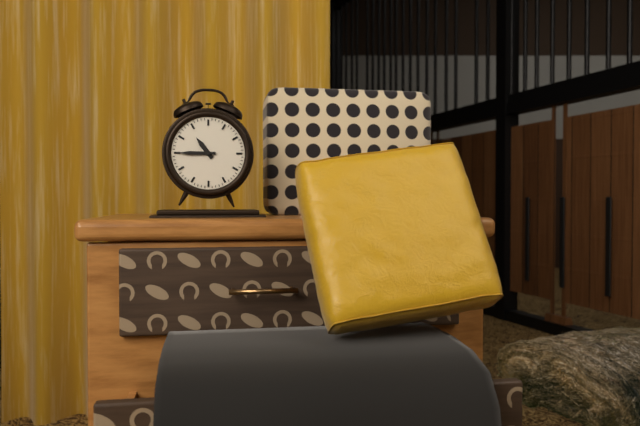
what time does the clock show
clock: 10:45
